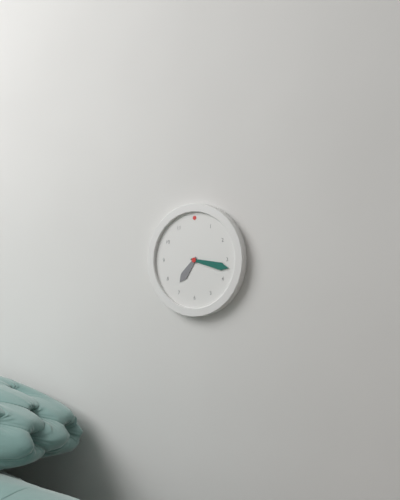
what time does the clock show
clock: 7:17
